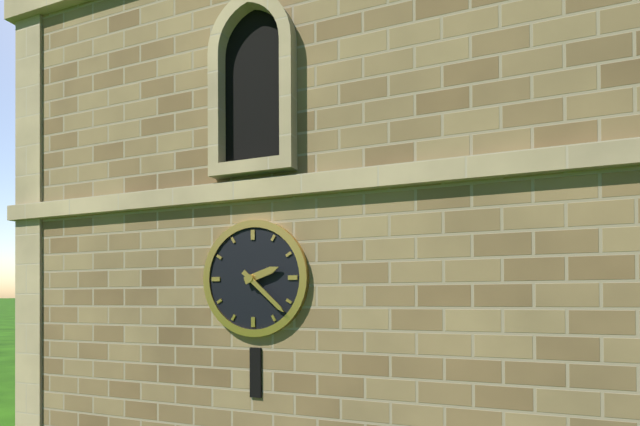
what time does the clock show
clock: 2:22
